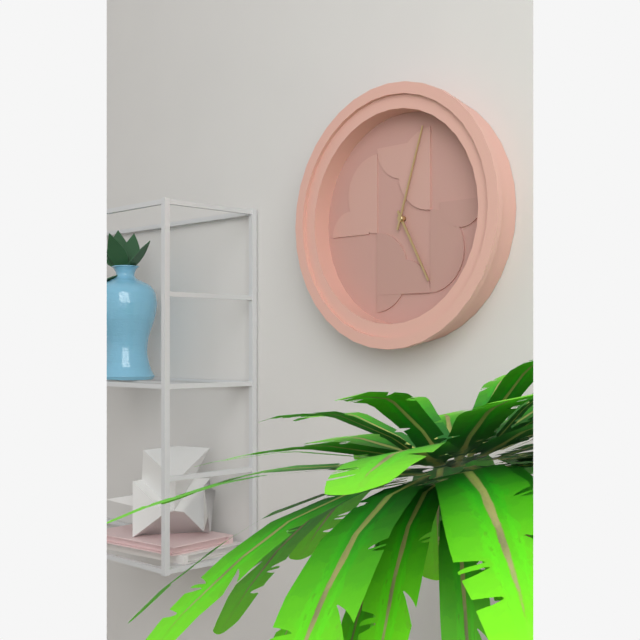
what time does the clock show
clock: 5:03
